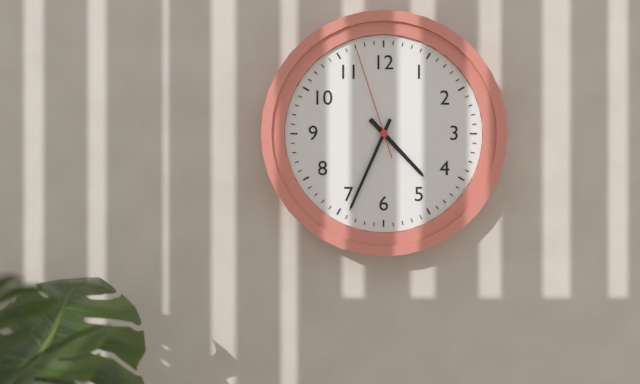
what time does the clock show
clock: 4:34:57
